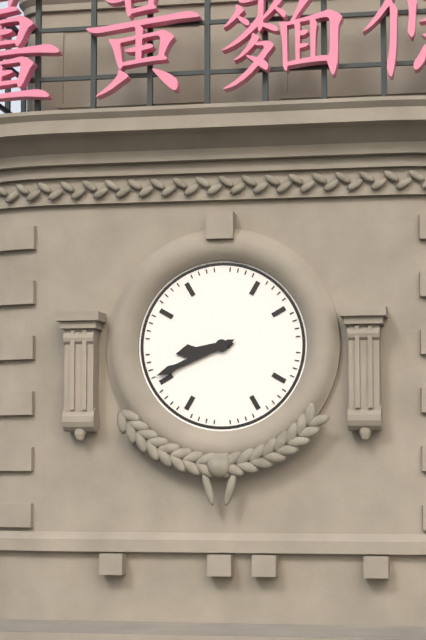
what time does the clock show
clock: 8:41
